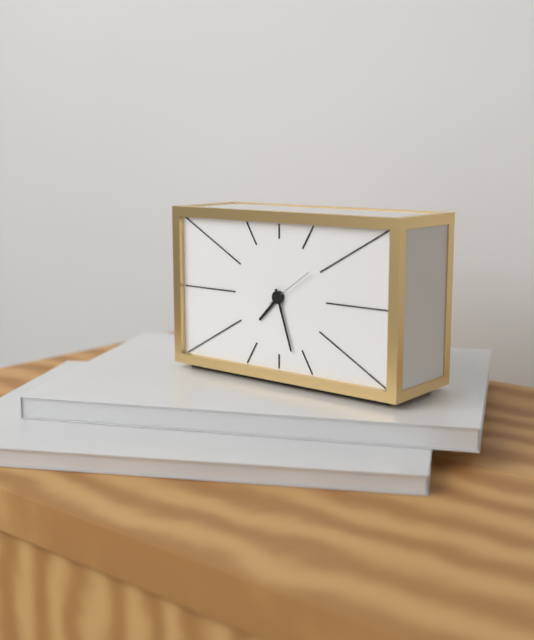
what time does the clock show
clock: 7:27:09
